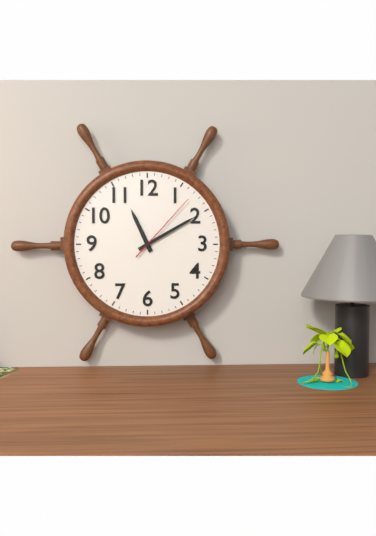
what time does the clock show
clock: 11:10:07
